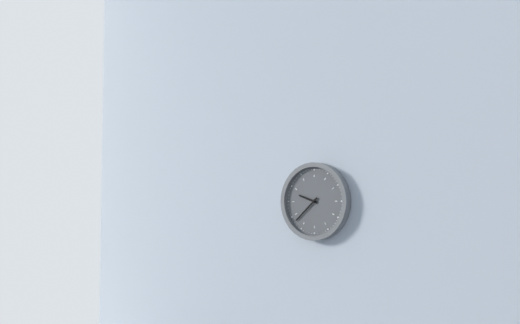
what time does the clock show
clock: 9:38
